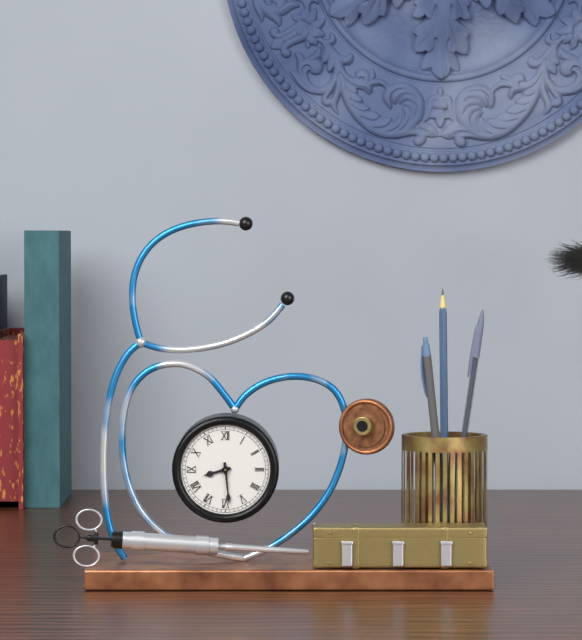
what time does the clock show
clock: 8:29
